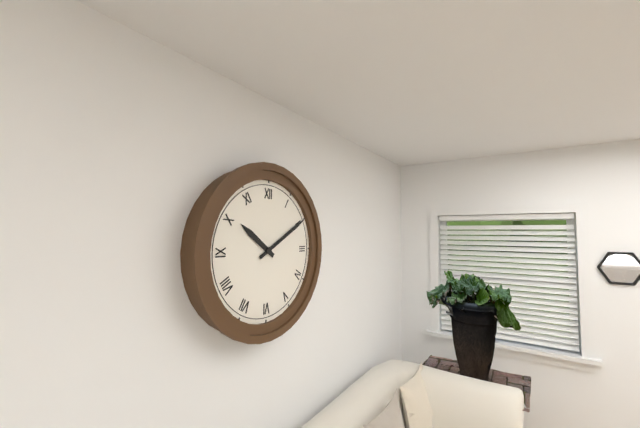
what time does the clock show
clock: 10:10
